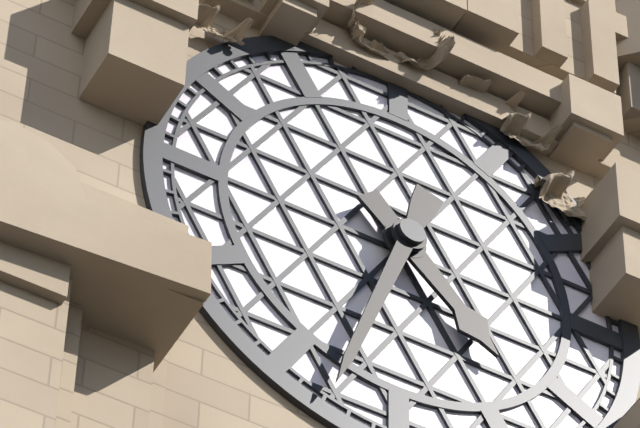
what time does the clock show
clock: 4:33
